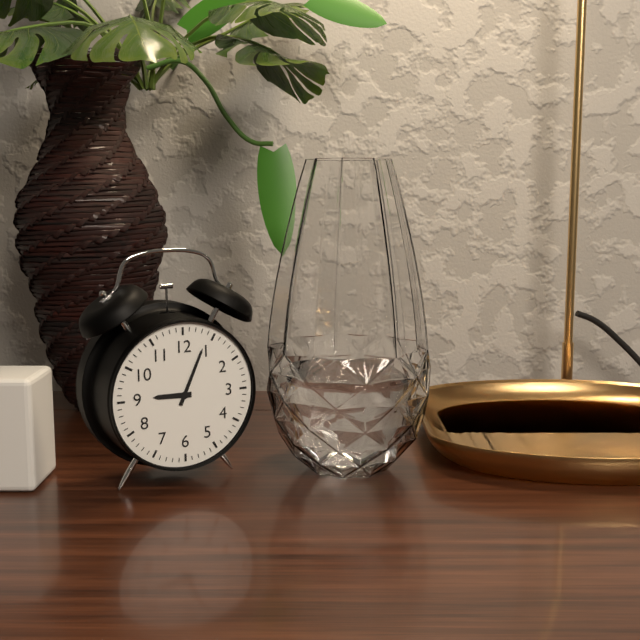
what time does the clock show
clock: 9:04
